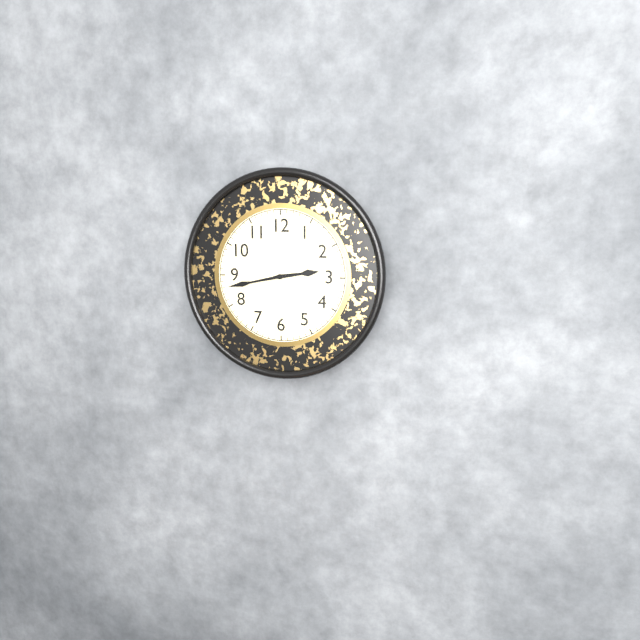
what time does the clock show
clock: 2:43
